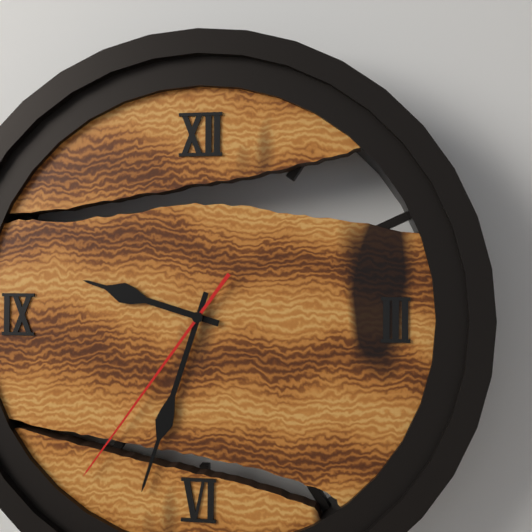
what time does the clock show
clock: 9:33:36
